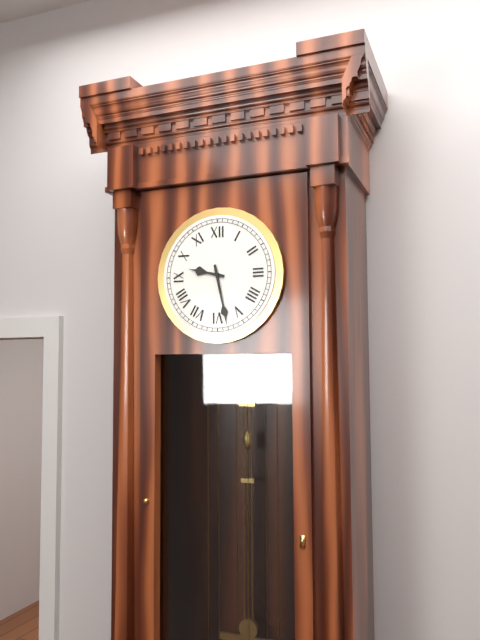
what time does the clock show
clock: 9:28
